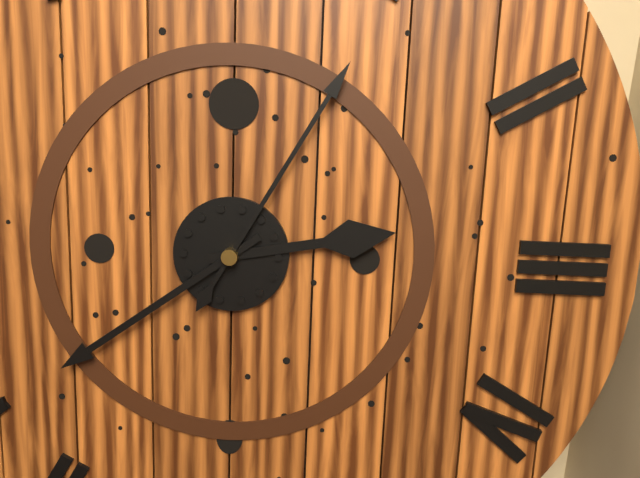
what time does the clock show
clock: 2:39:05
